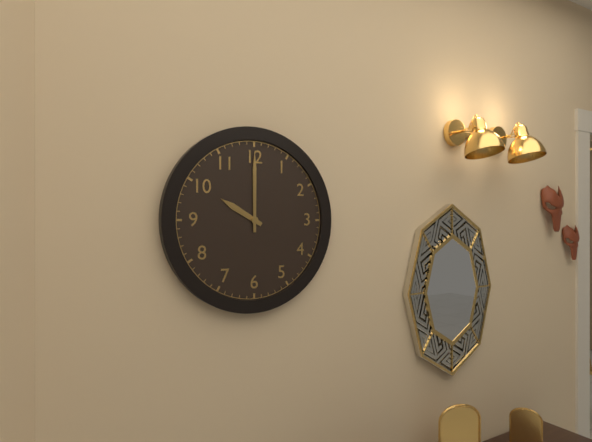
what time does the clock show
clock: 10:00
